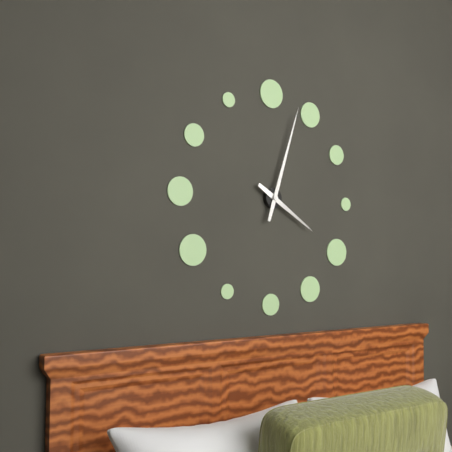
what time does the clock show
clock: 4:03
